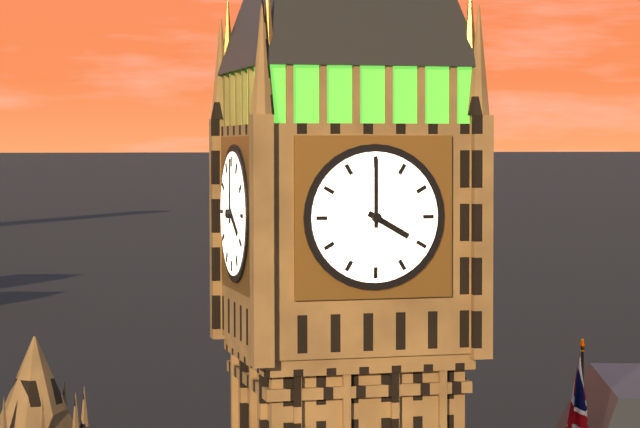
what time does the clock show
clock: 4:00
